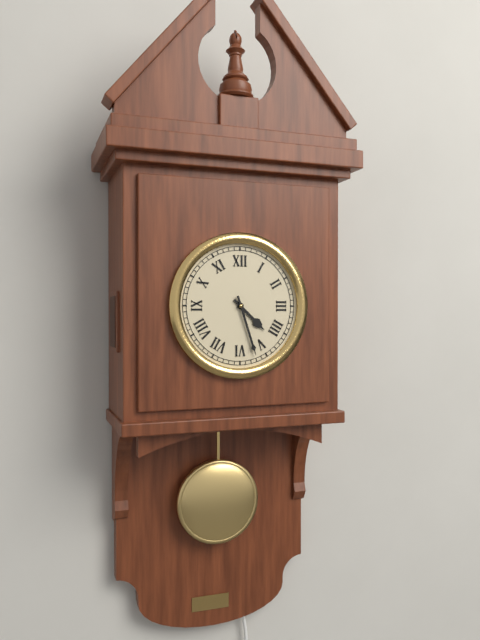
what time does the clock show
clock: 4:27
